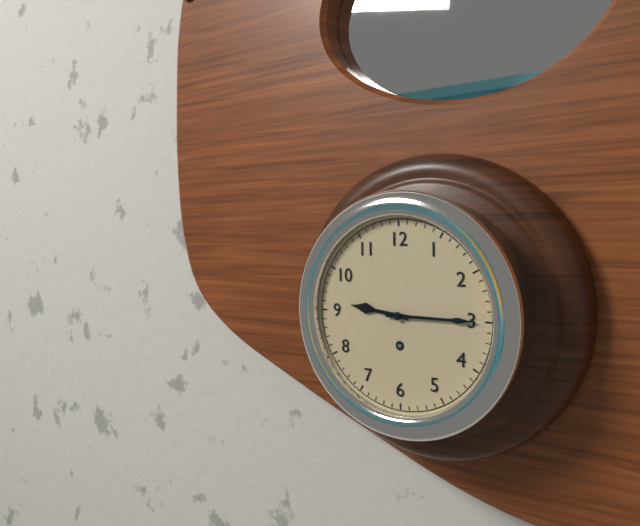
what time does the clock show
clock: 9:15
